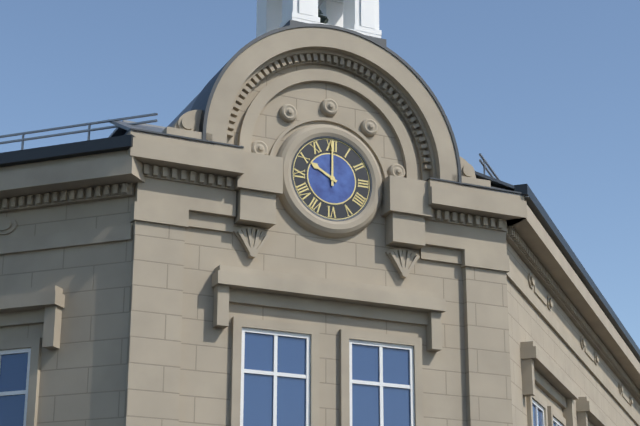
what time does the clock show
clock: 10:00
